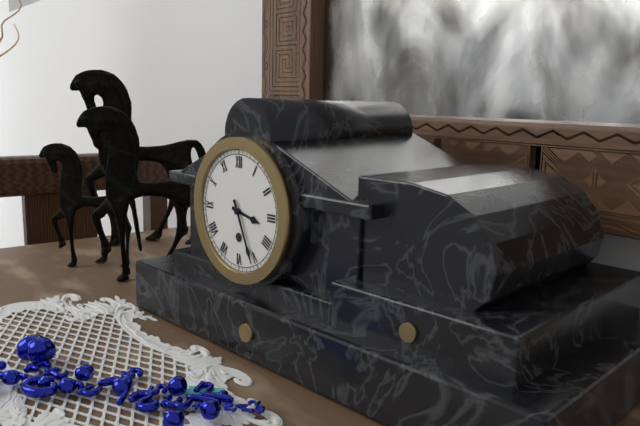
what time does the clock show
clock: 3:26
